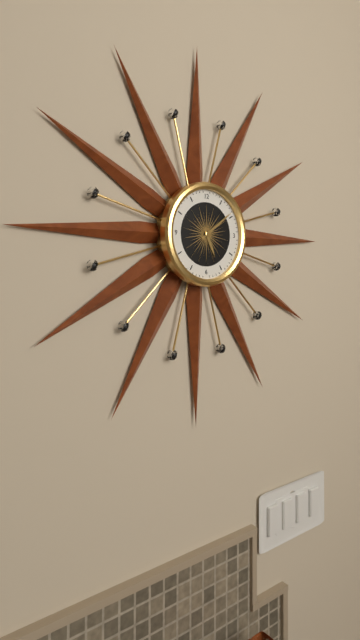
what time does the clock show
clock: 5:09
